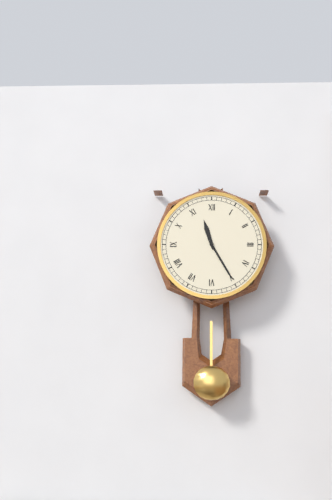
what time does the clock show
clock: 11:25
